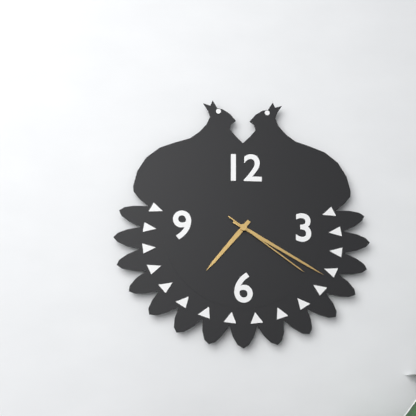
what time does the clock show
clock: 7:20:21
